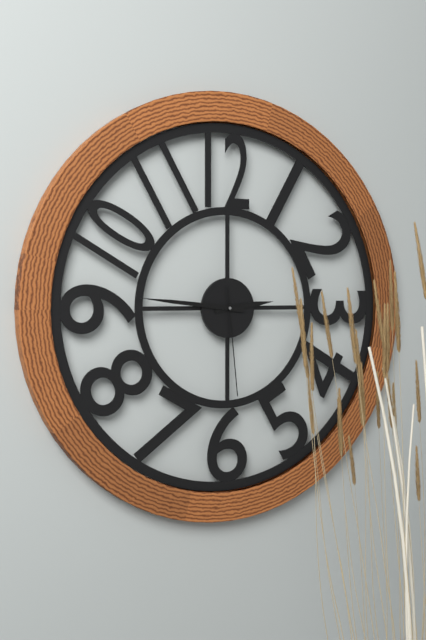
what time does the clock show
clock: 2:46:29
